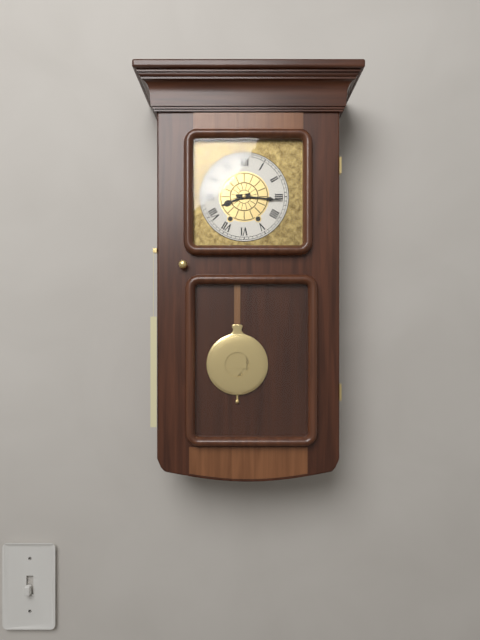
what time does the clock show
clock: 8:16
